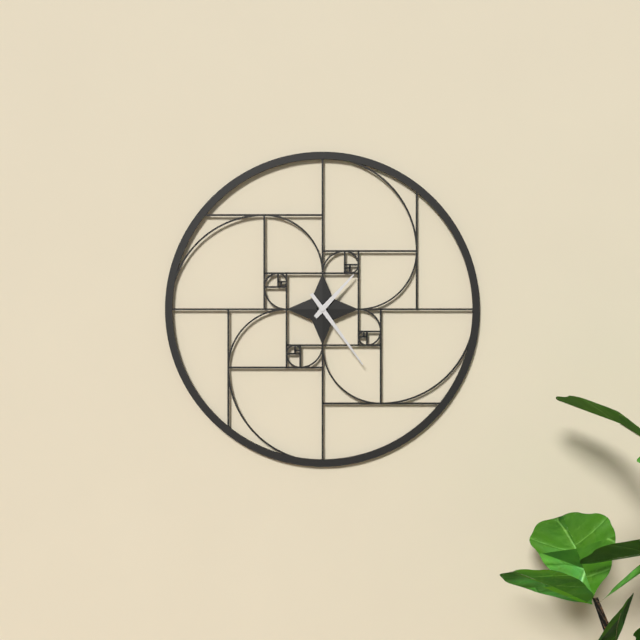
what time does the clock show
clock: 1:24
